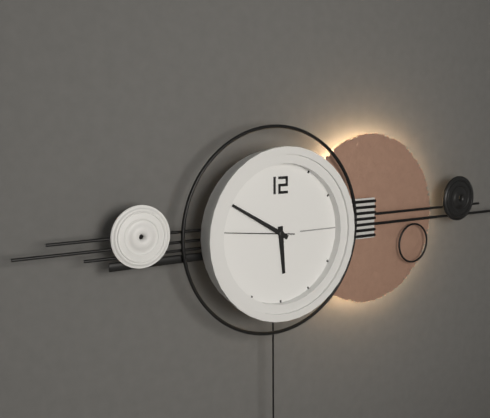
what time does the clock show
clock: 5:50:46
